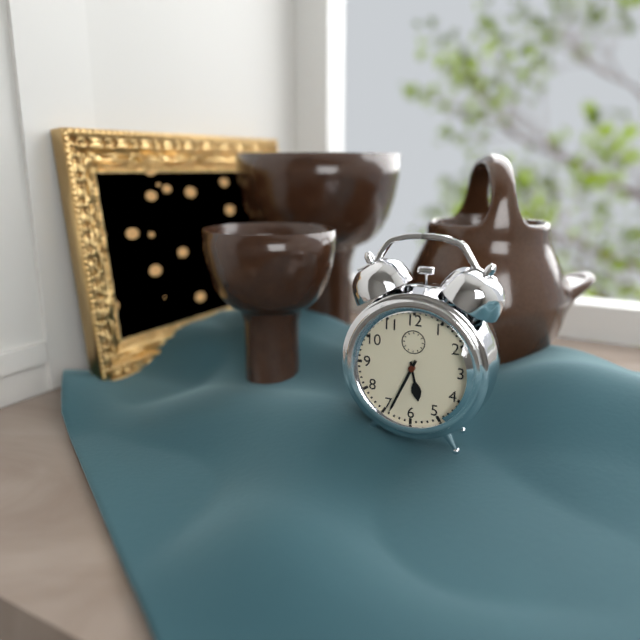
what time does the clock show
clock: 5:34
